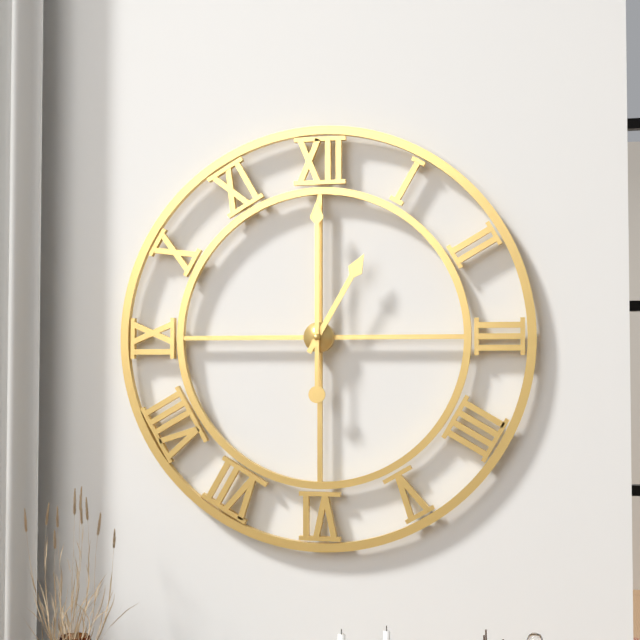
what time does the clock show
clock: 1:00
